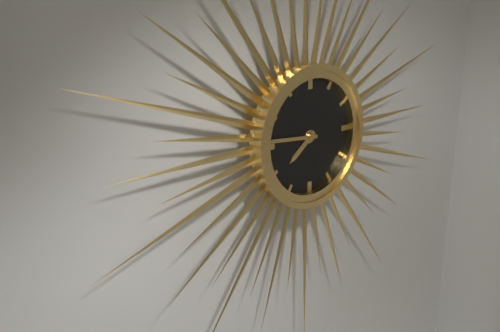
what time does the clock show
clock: 7:46
